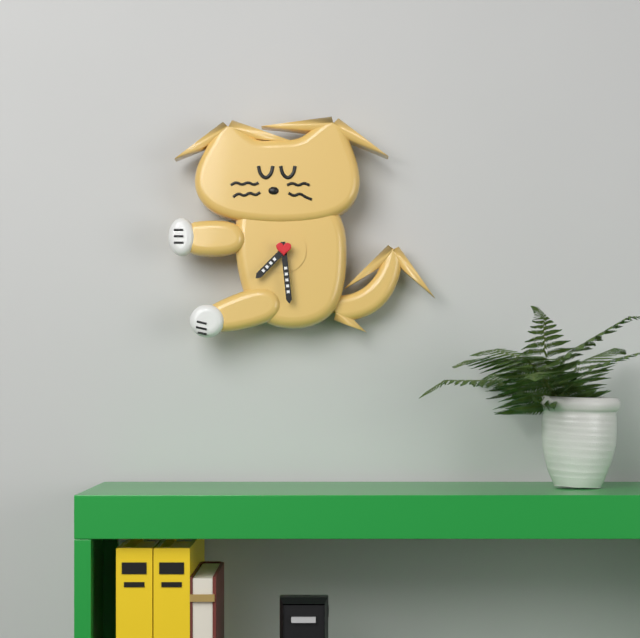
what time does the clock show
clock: 7:29
